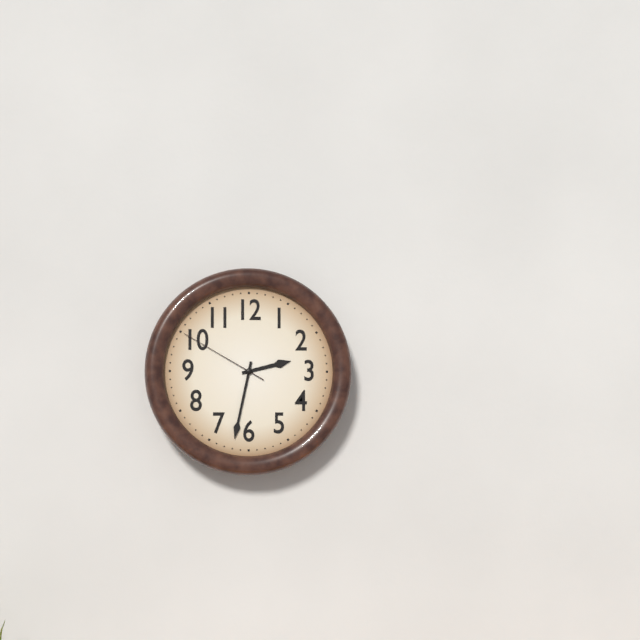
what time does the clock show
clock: 2:32:50
